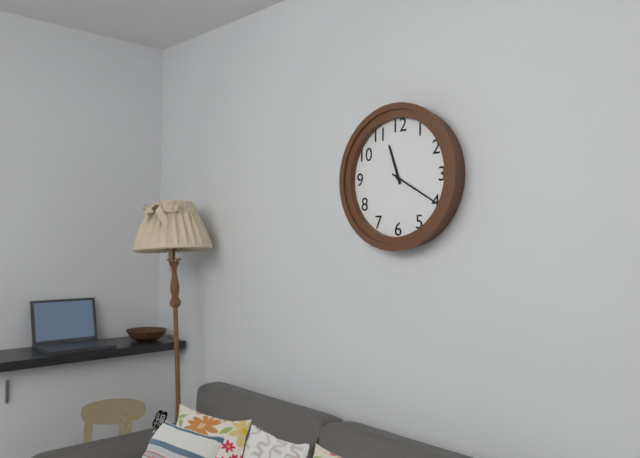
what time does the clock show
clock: 11:20
